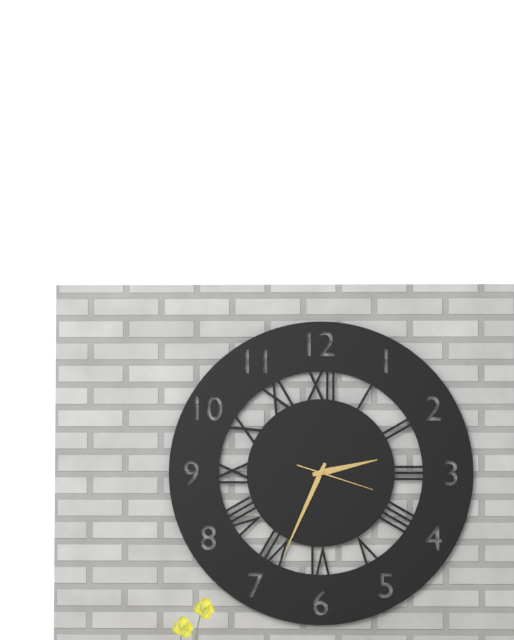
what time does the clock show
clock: 2:34:18
